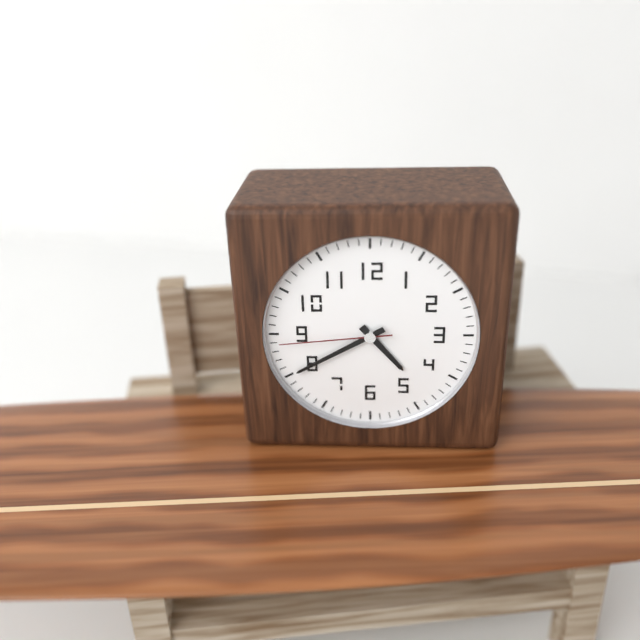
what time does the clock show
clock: 4:40:44
